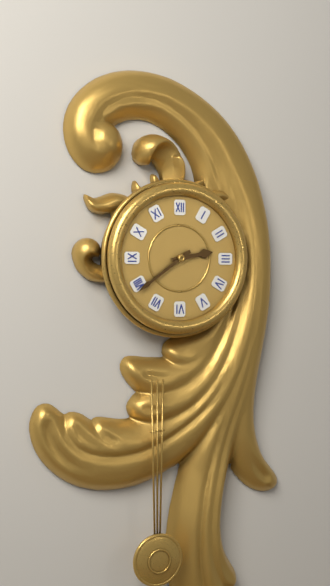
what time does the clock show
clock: 2:39
